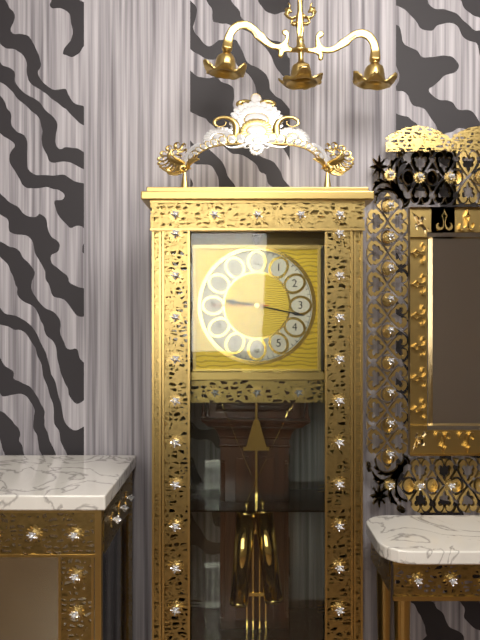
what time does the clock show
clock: 9:17:45
